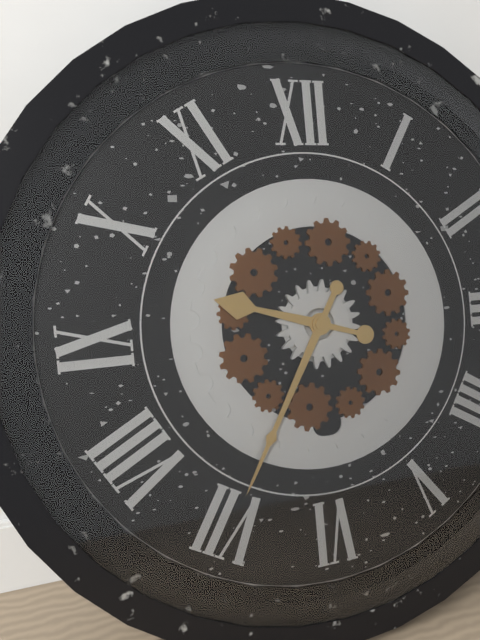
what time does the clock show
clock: 9:35
